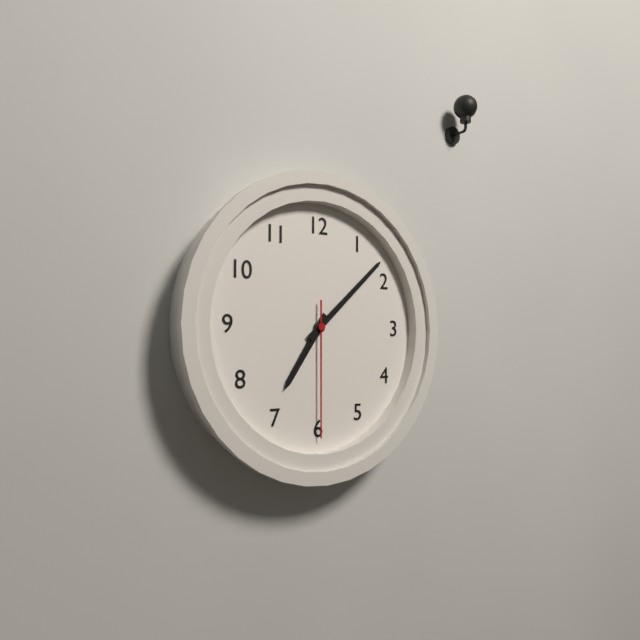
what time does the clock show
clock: 7:08:30
